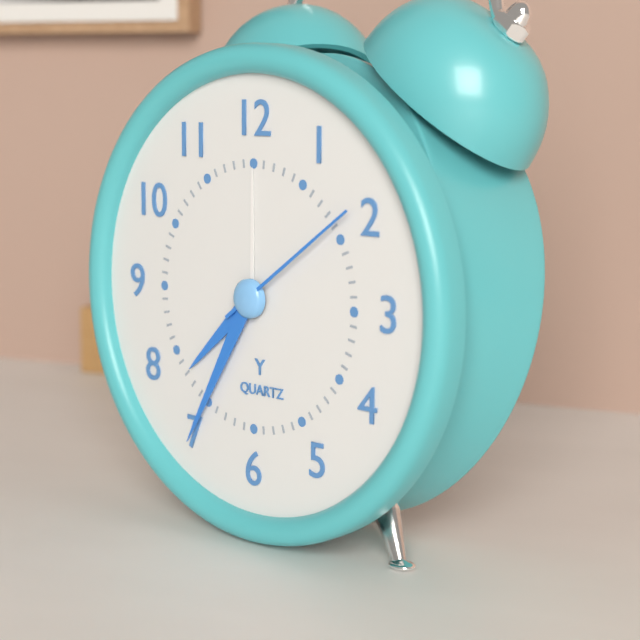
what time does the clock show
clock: 7:35:09
